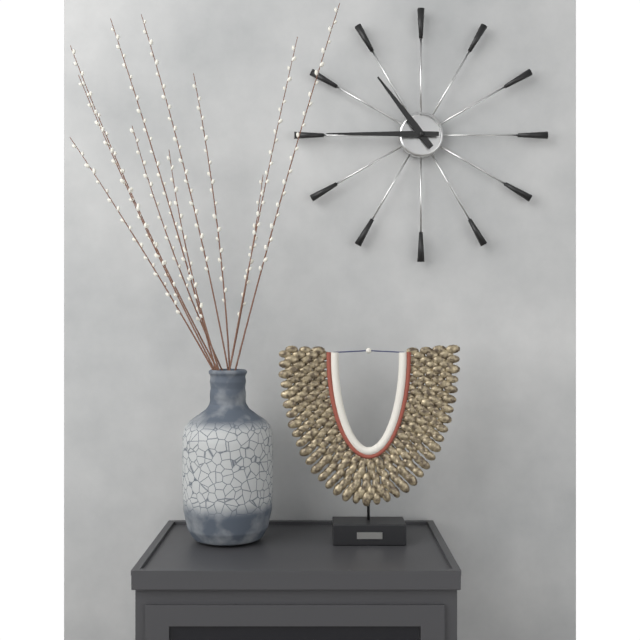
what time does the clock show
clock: 10:45
